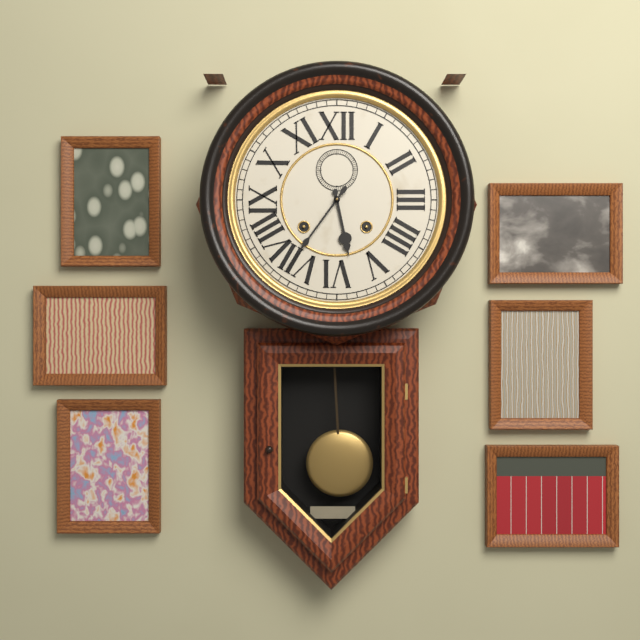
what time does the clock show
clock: 5:36
